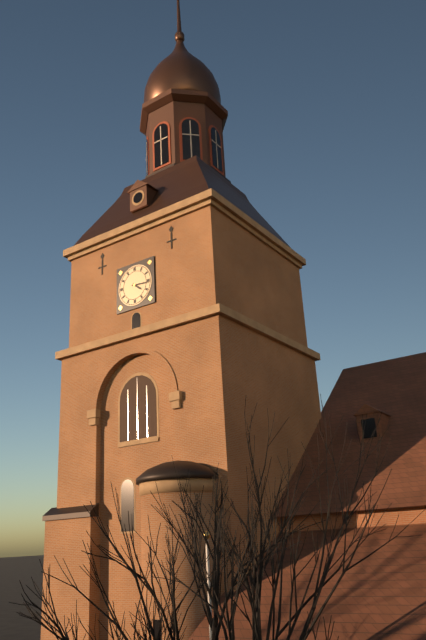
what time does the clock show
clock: 4:16
